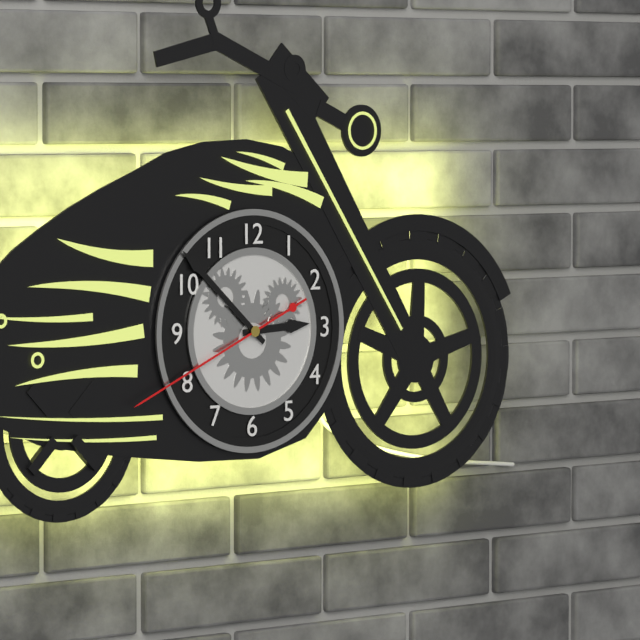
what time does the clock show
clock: 2:52:41
